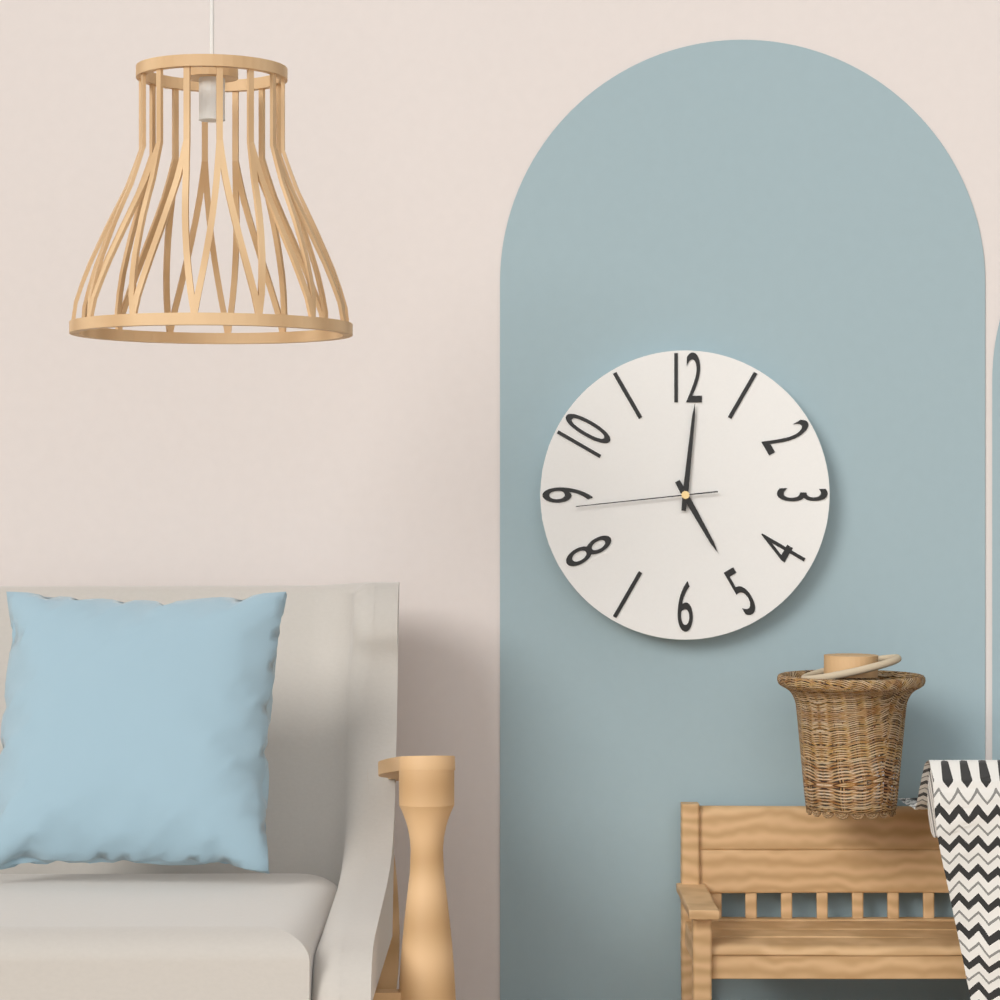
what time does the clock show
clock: 5:01:44
